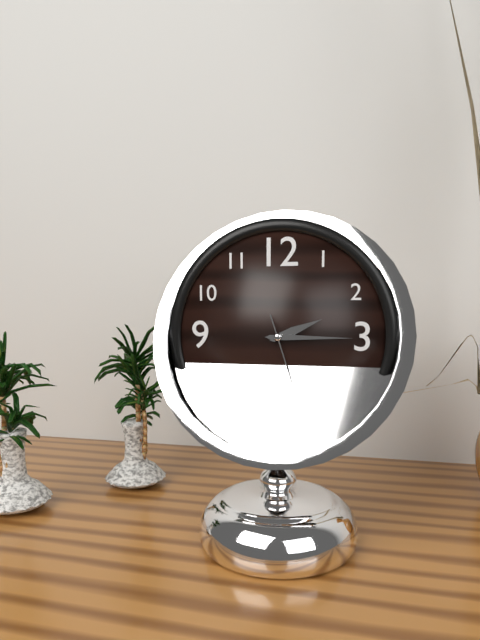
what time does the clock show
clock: 2:15
